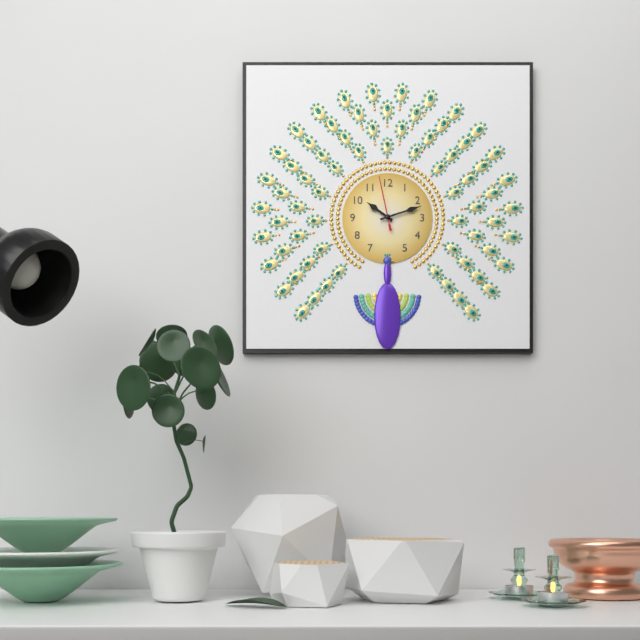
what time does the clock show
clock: 10:12:58
